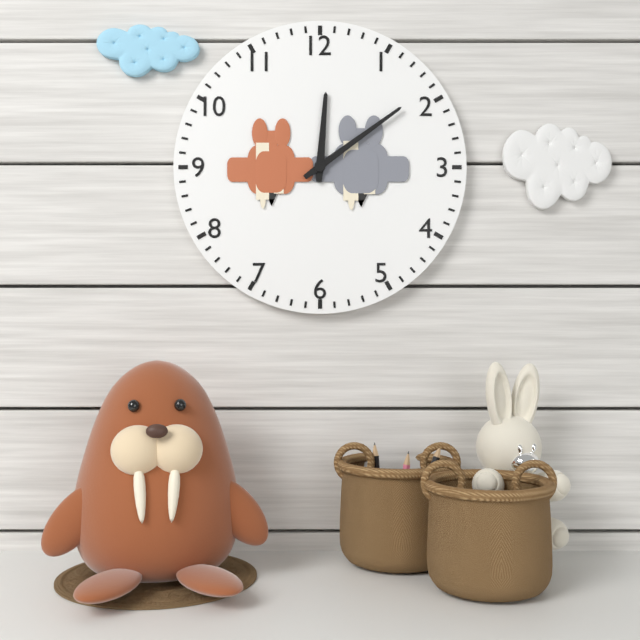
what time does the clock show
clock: 12:09
